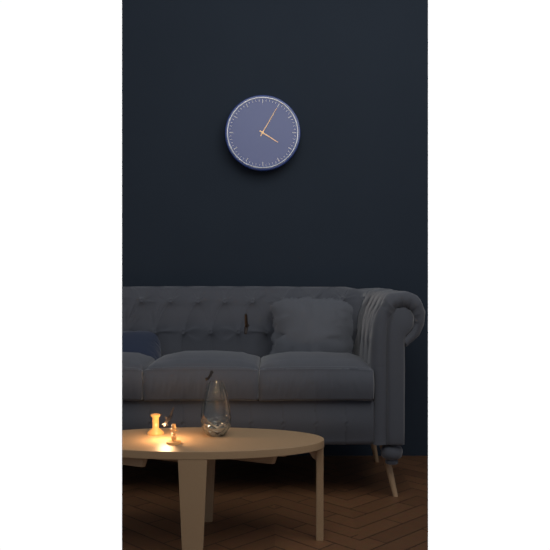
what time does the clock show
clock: 4:05
